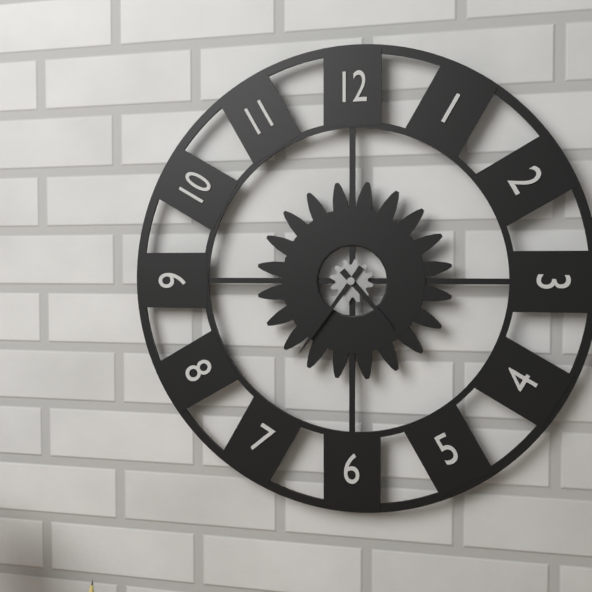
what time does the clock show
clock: 4:36
